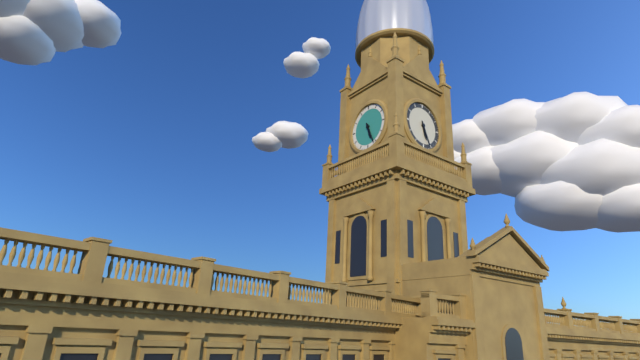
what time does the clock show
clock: 5:26
